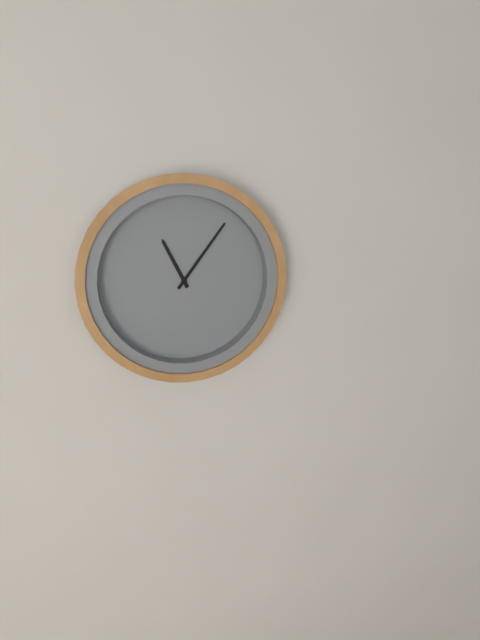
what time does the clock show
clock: 11:06
